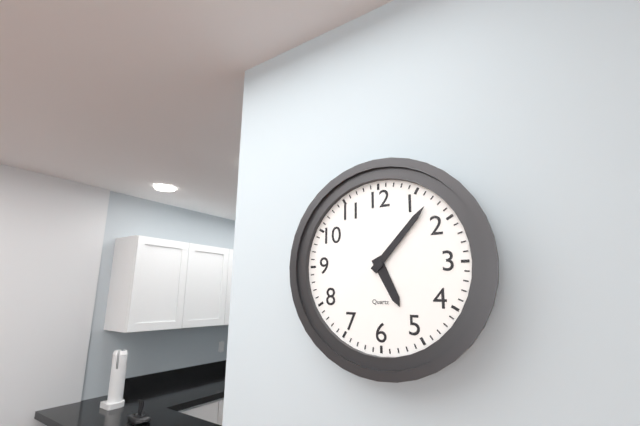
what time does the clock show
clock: 5:07
